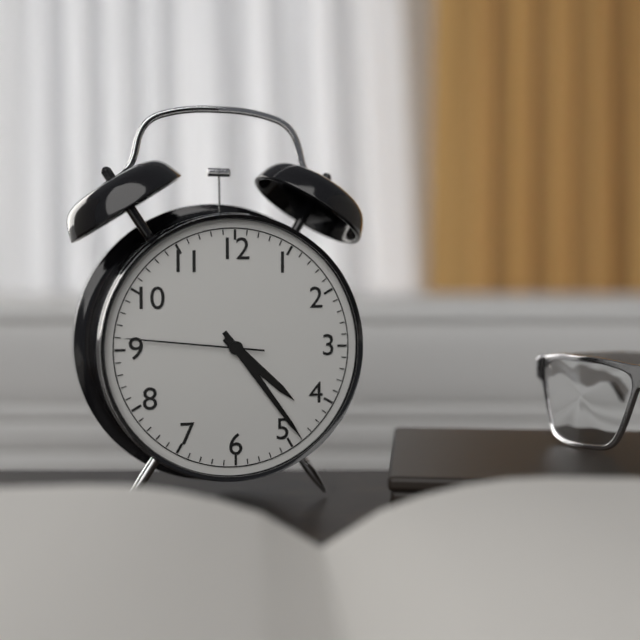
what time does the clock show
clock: 4:24:46
